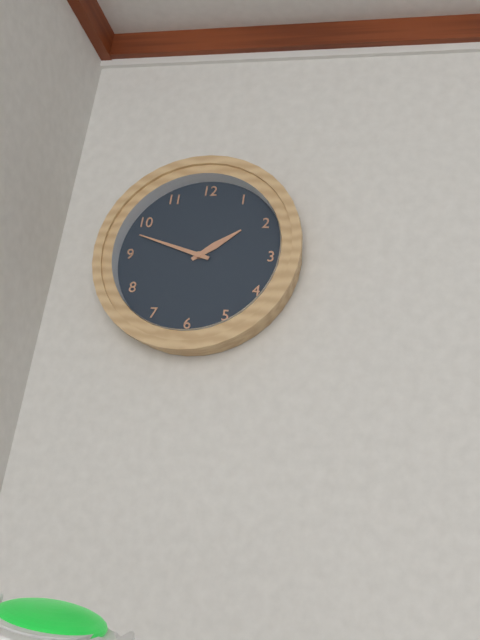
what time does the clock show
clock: 1:48
